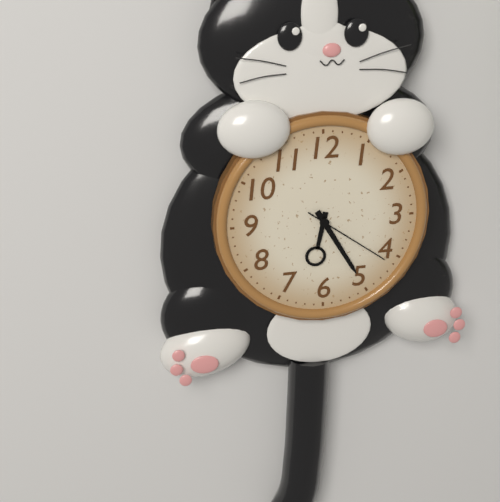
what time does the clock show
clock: 6:25:21
